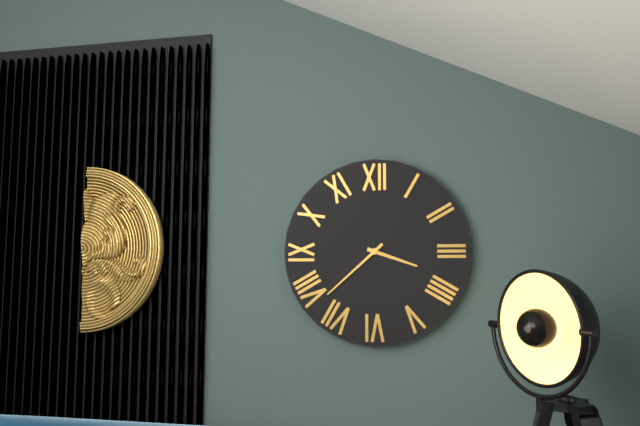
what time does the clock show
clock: 3:38
